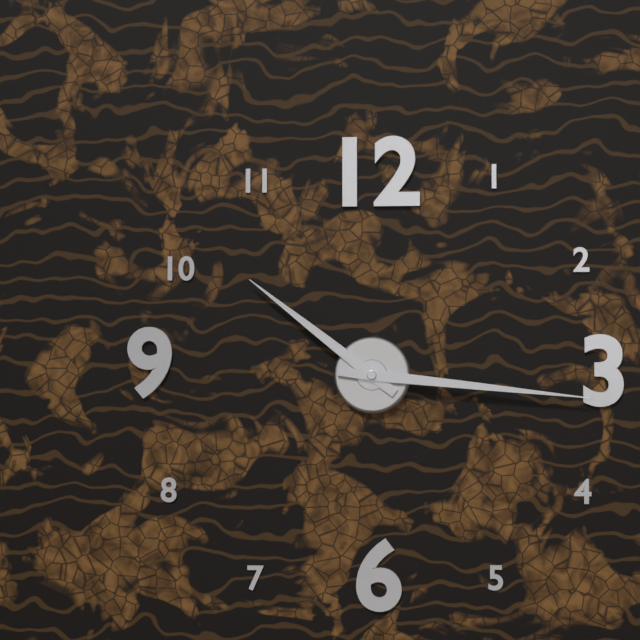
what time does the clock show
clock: 10:16
